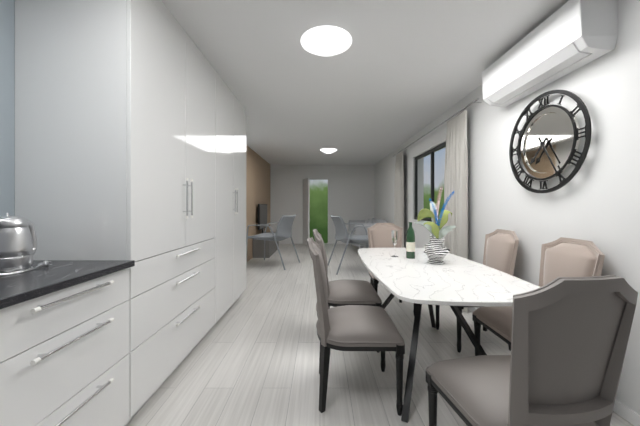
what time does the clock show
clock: 7:25
